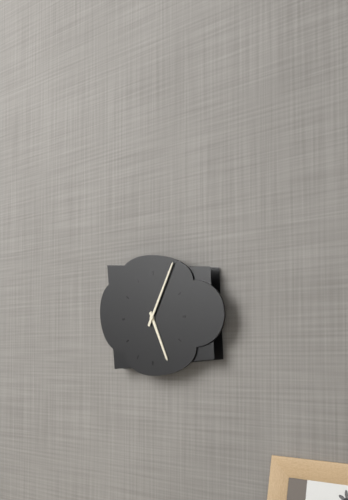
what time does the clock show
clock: 5:05
